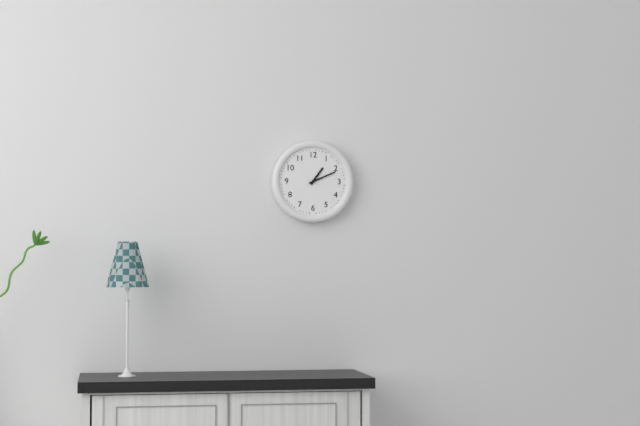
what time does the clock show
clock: 1:11
